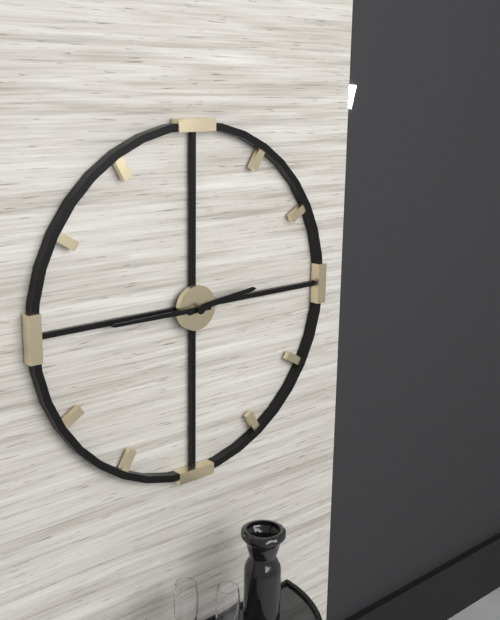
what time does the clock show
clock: 2:45
